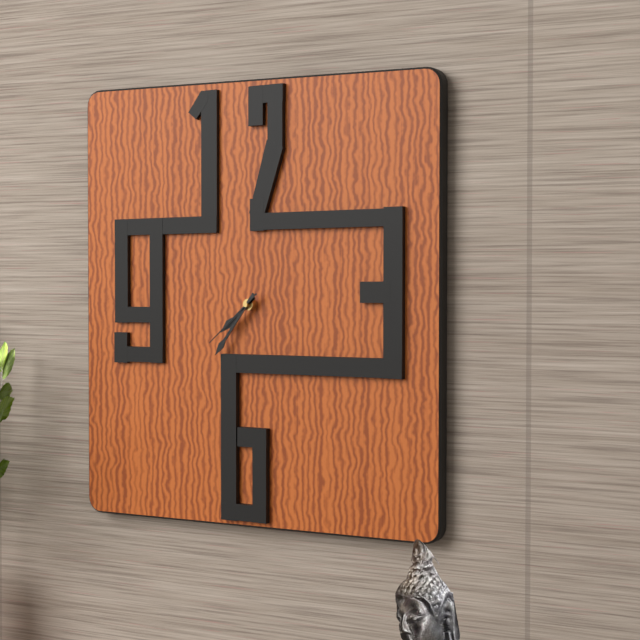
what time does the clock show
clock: 7:36:38
